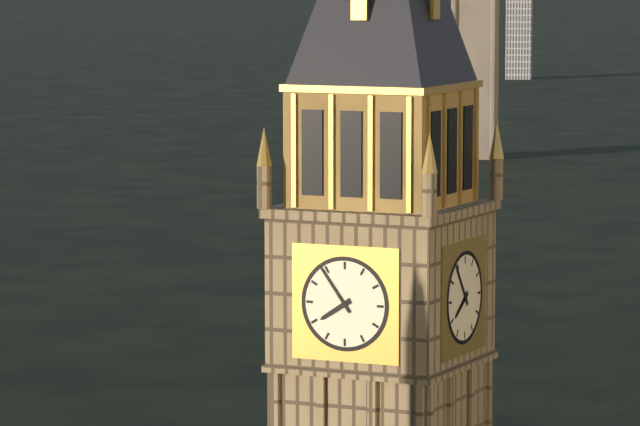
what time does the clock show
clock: 7:54
